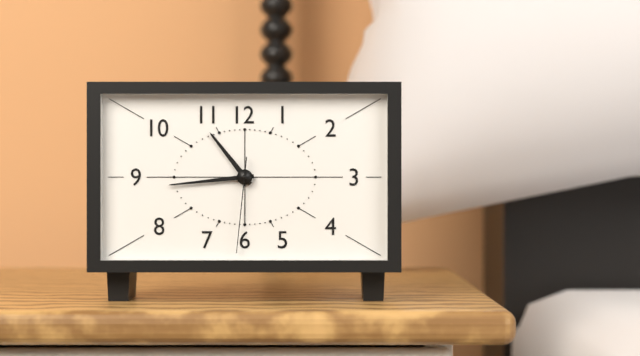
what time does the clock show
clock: 10:44:31
